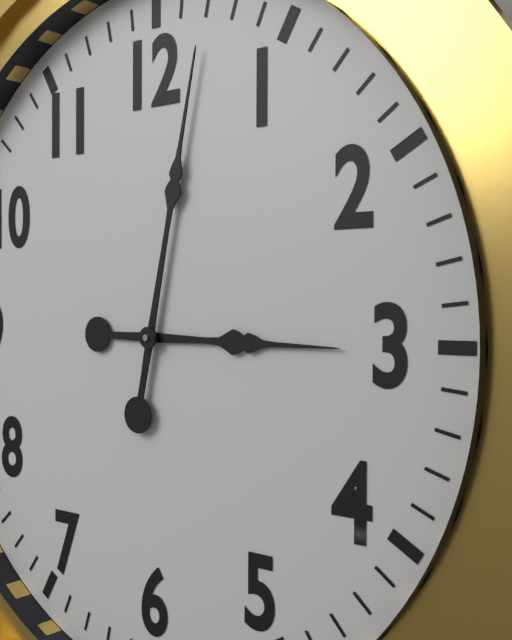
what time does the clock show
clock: 3:02
